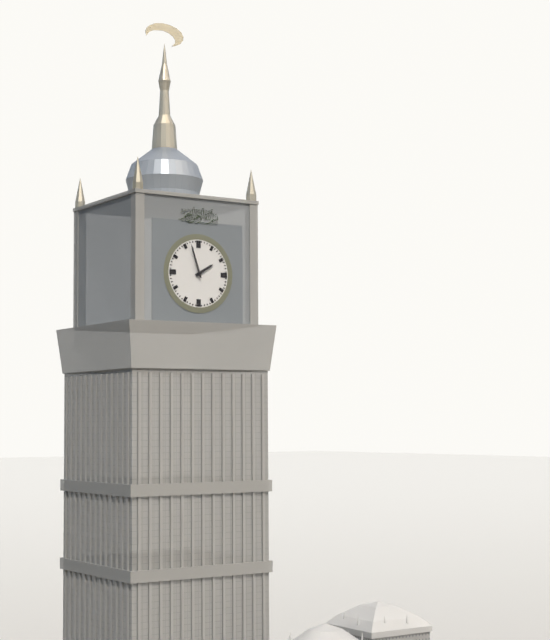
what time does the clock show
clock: 1:57
